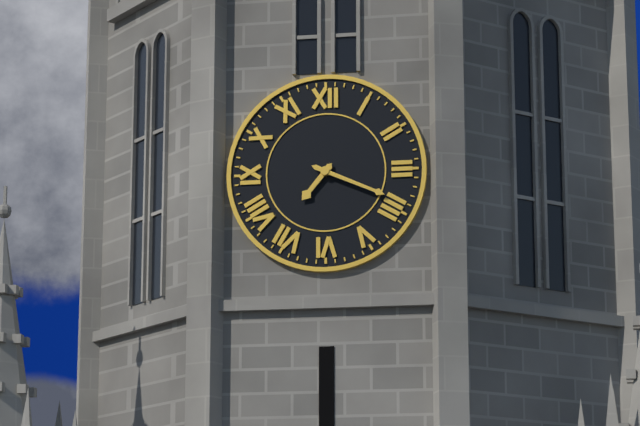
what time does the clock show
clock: 7:19
